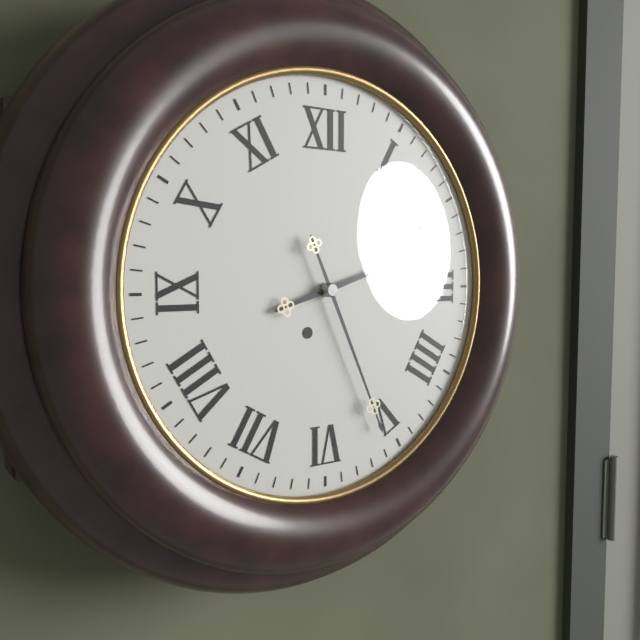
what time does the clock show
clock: 2:26
